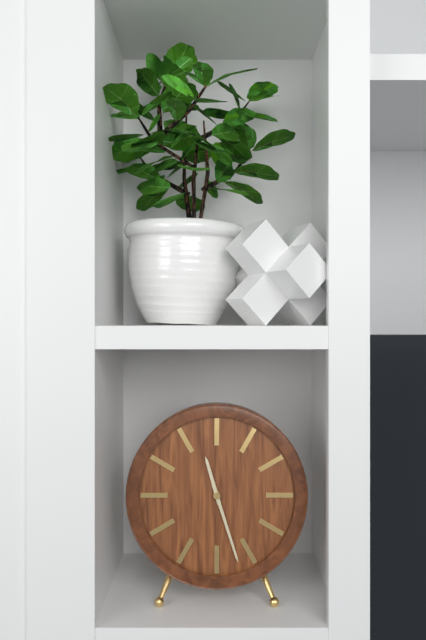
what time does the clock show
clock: 11:27
